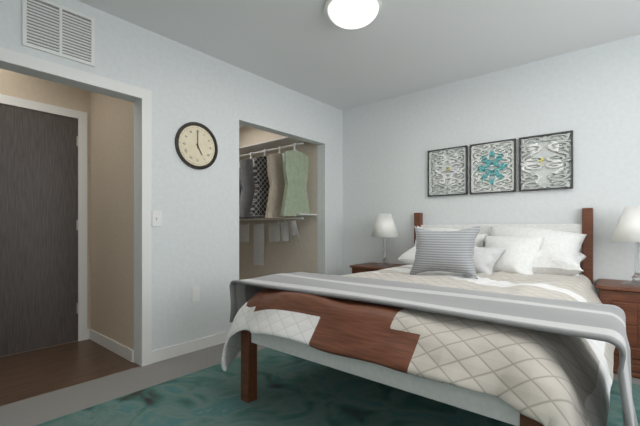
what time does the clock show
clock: 5:00
